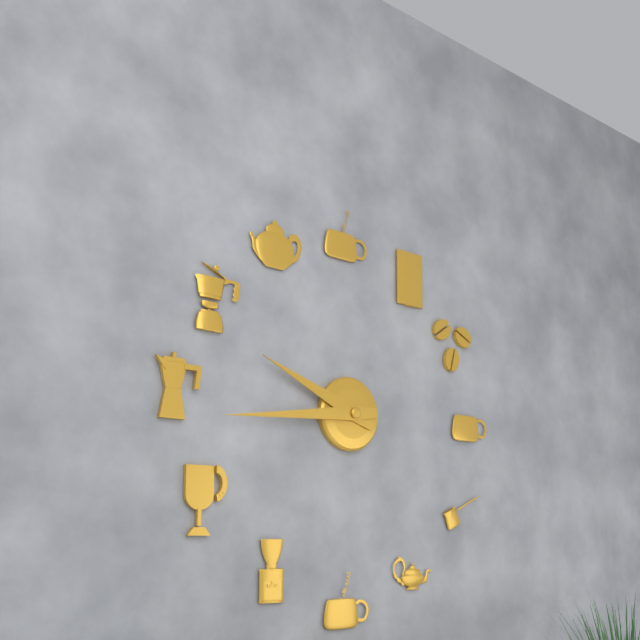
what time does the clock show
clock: 9:44
